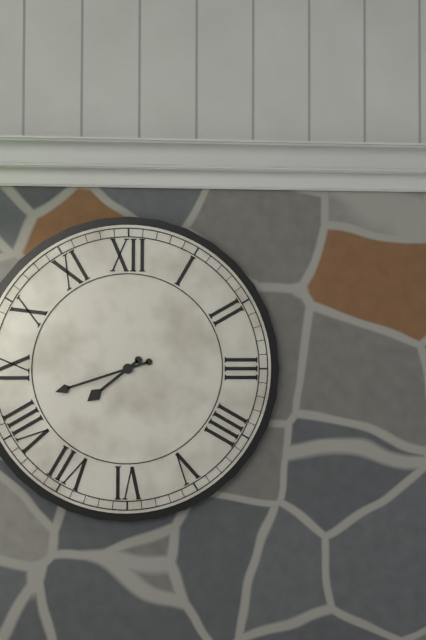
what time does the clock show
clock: 7:42
